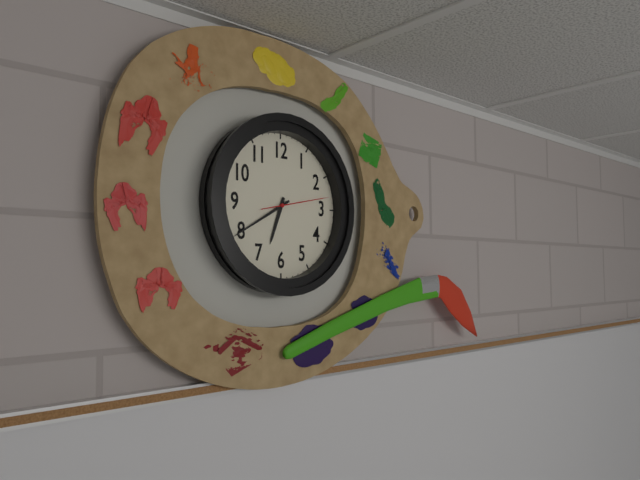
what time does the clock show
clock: 6:40:13
